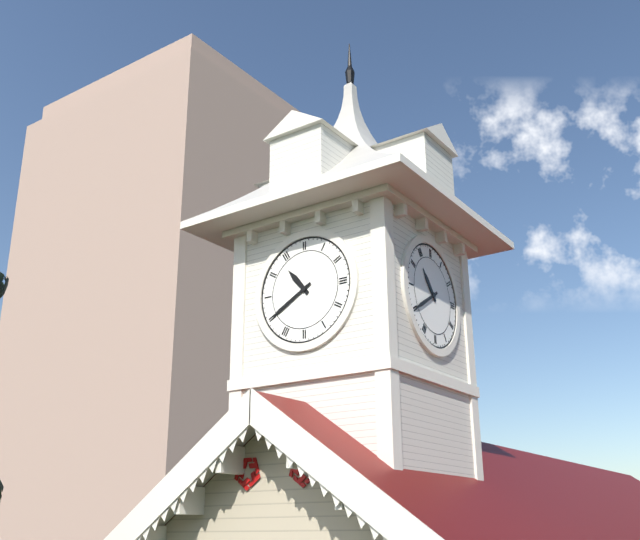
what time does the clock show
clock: 10:40
